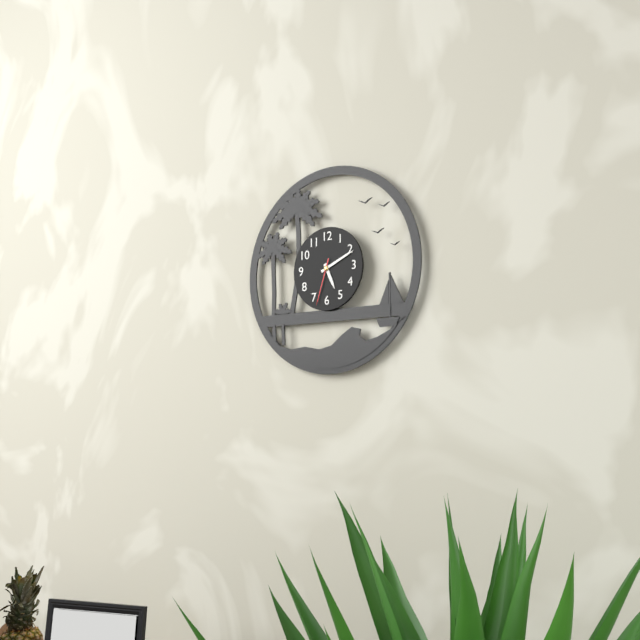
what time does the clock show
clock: 5:11
